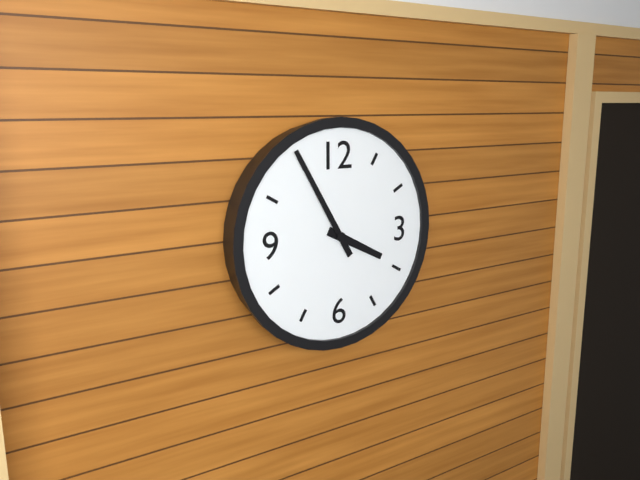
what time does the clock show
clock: 3:55
